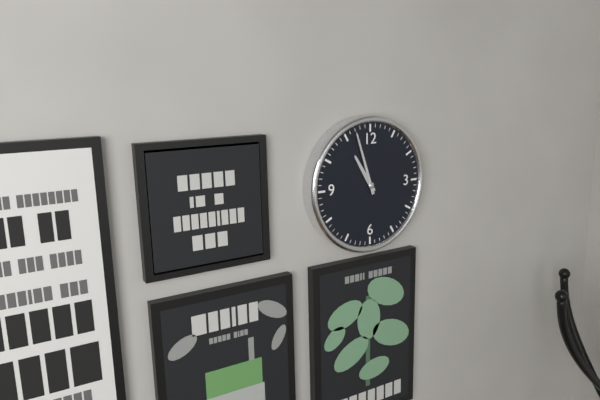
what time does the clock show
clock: 10:57
